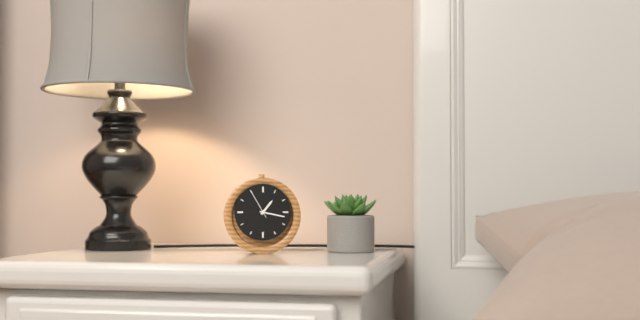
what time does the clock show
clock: 1:17
